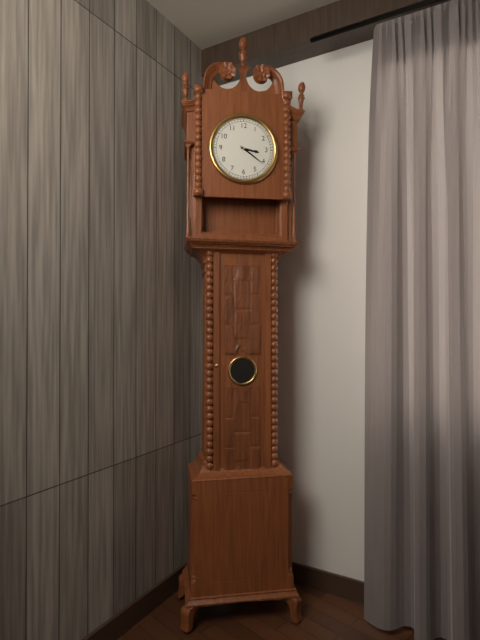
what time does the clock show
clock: 3:21
